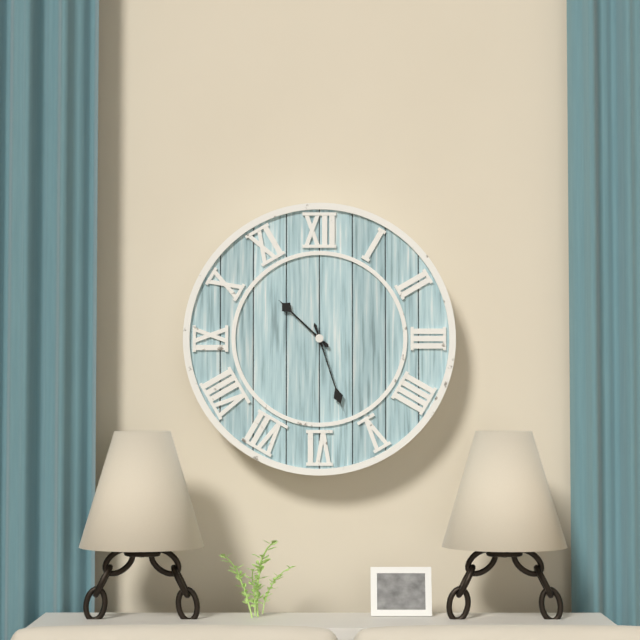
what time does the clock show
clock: 10:27
